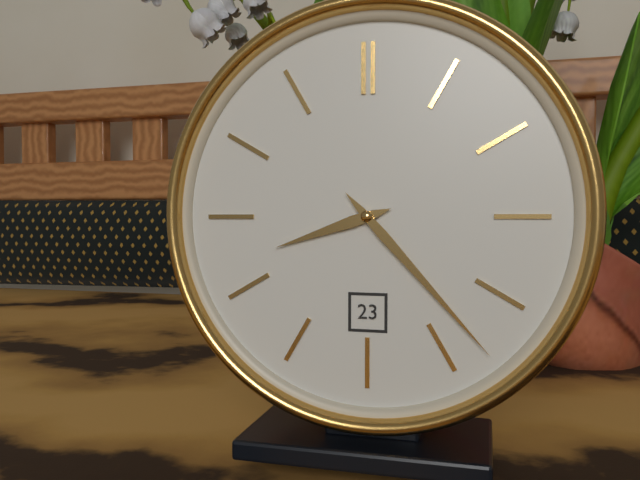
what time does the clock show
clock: 8:23
